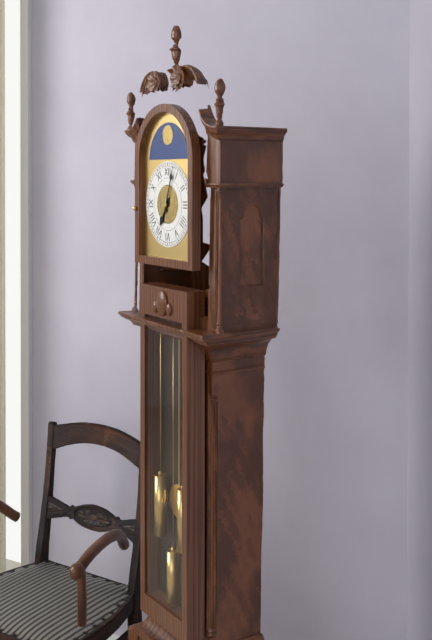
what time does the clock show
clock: 7:03
